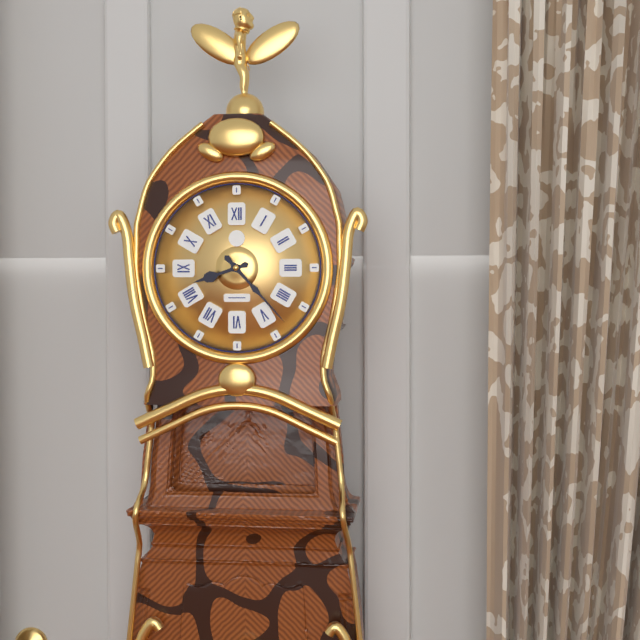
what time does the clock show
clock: 8:23
